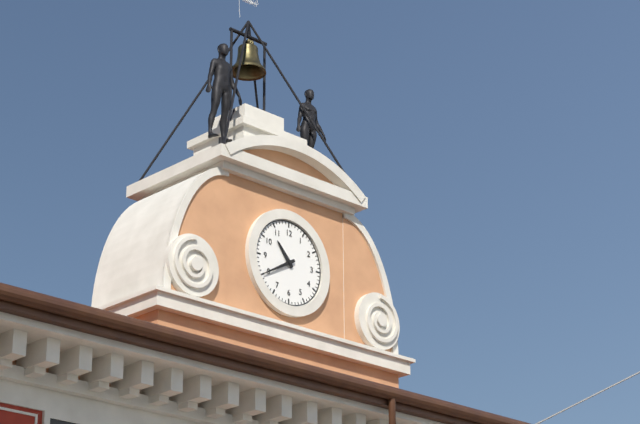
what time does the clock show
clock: 10:40
